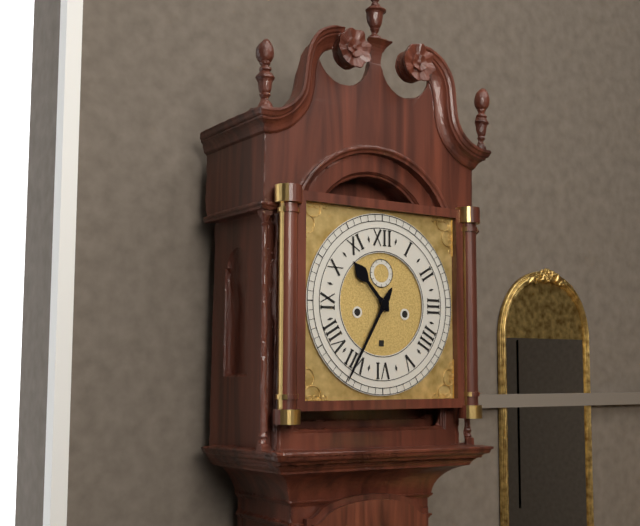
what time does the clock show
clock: 10:35
